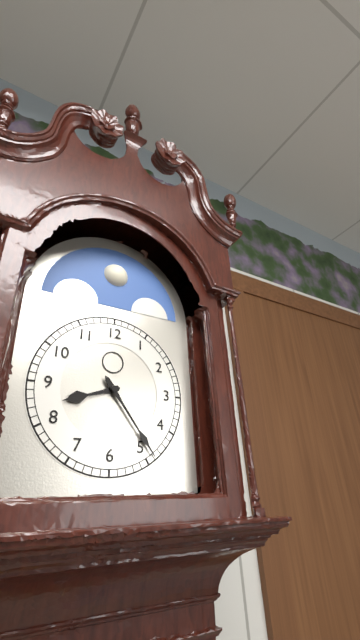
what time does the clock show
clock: 8:24
